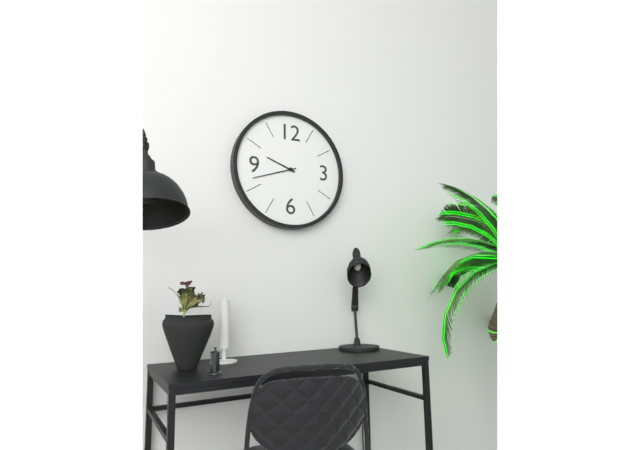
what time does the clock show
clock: 9:42
